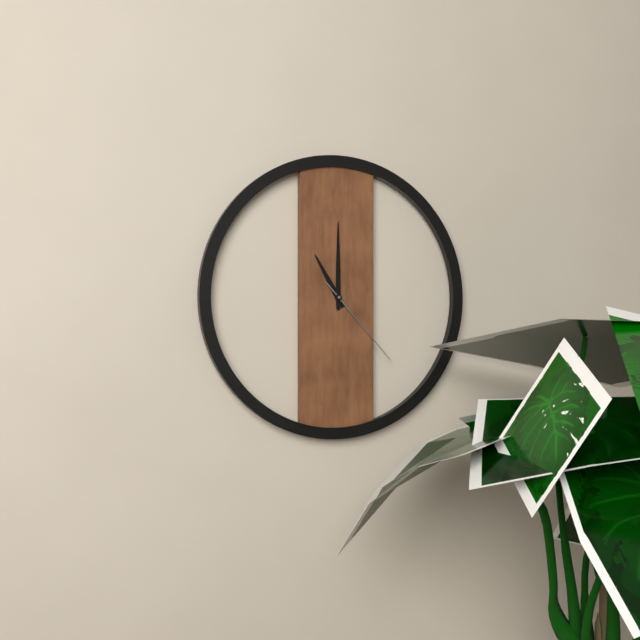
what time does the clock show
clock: 11:00:23
